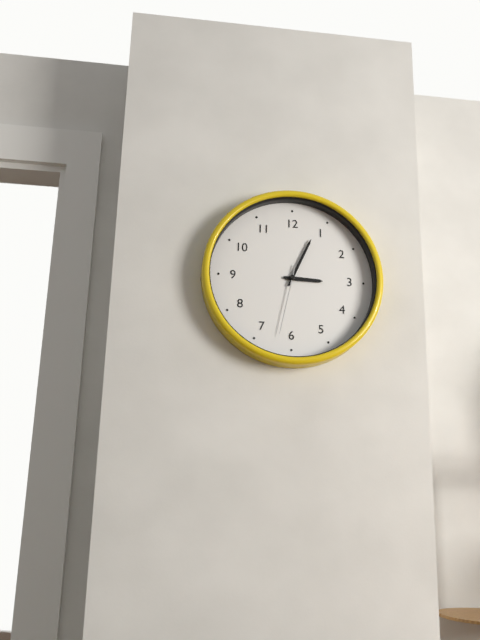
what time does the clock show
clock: 3:04:32
